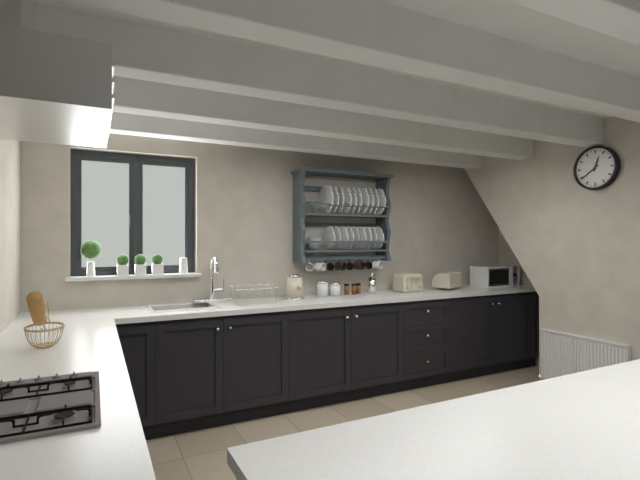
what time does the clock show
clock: 12:39
